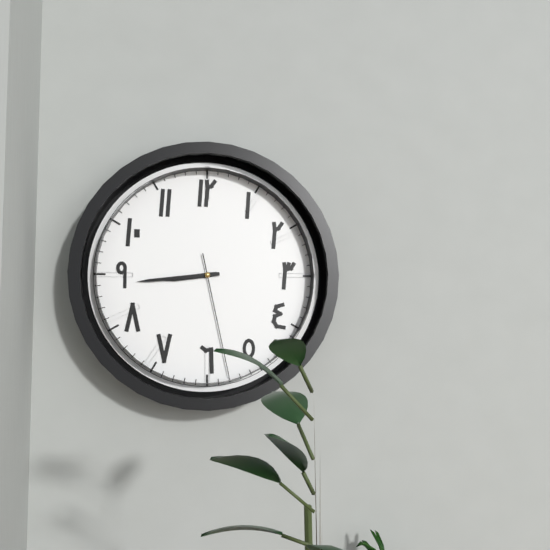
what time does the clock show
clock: 8:44:28
